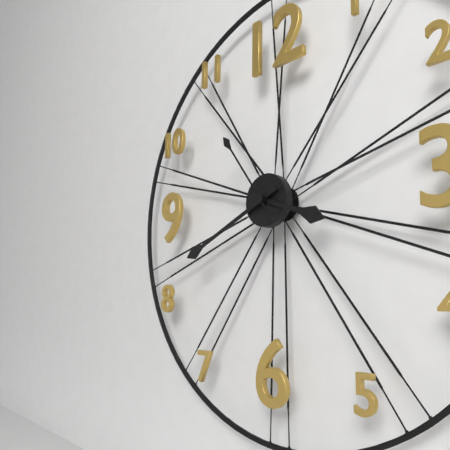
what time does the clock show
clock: 3:41:54
